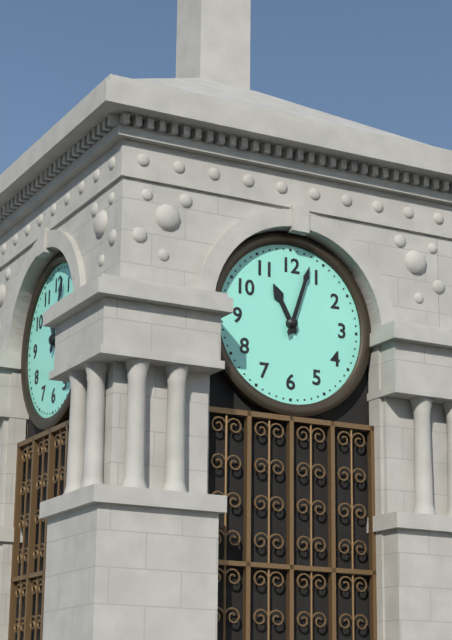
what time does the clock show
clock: 11:03
